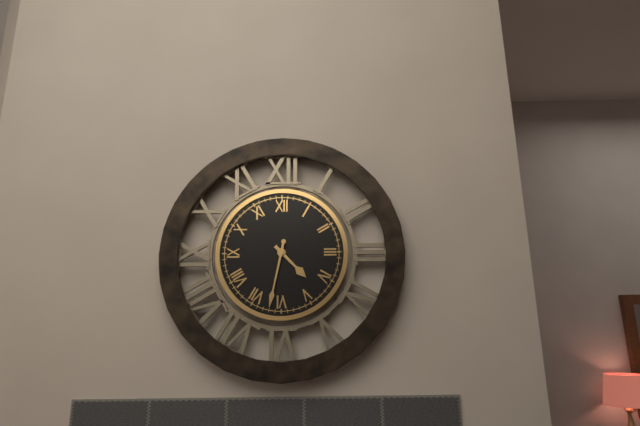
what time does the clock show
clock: 4:32
